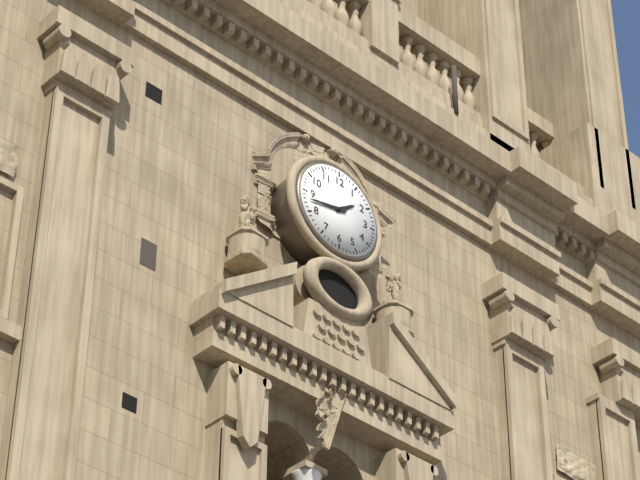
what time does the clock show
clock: 1:43
